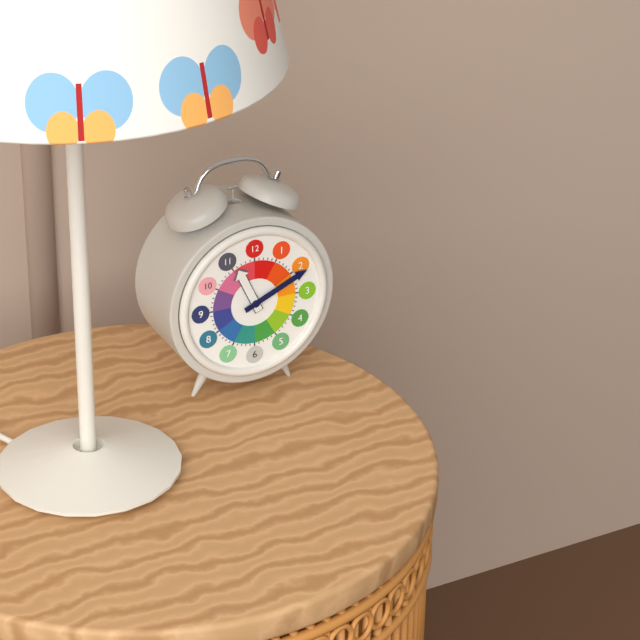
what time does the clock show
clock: 11:11
